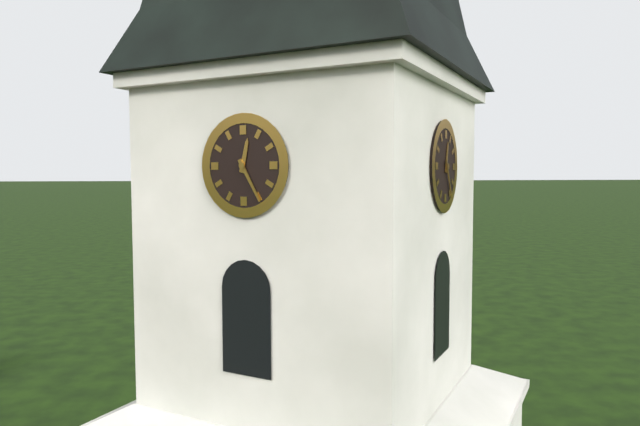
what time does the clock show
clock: 12:25
